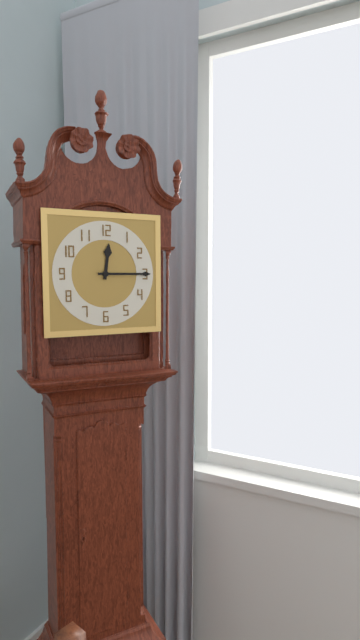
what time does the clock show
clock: 12:15
